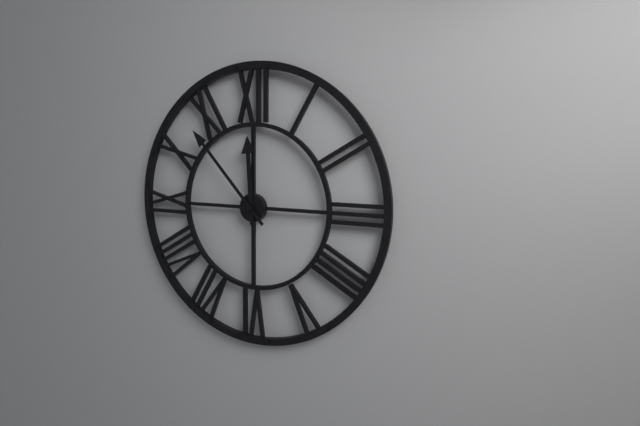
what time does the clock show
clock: 11:53
